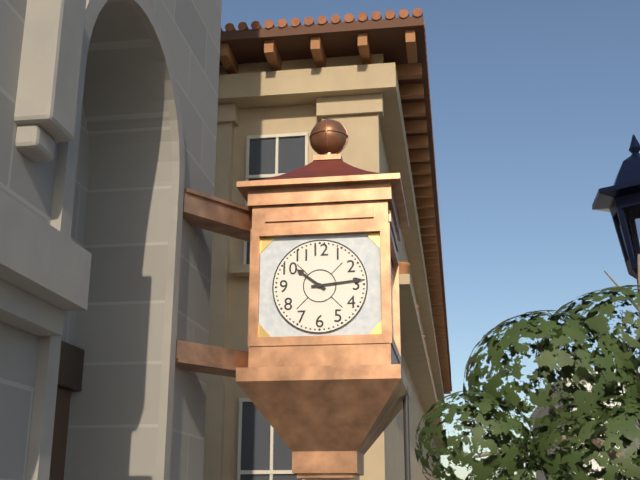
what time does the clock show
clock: 10:14
